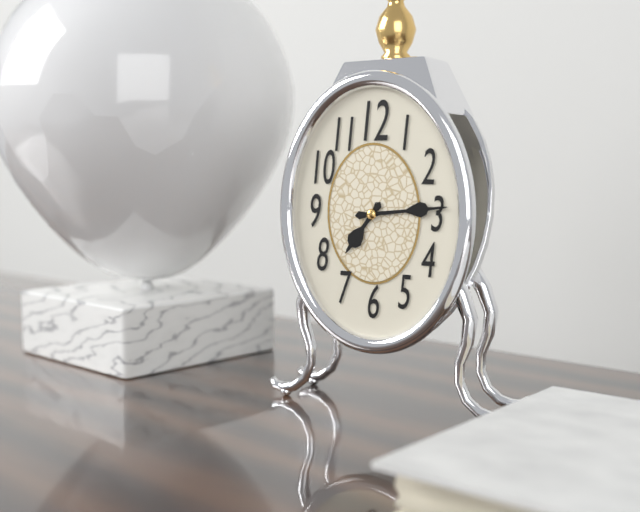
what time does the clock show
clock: 7:14
